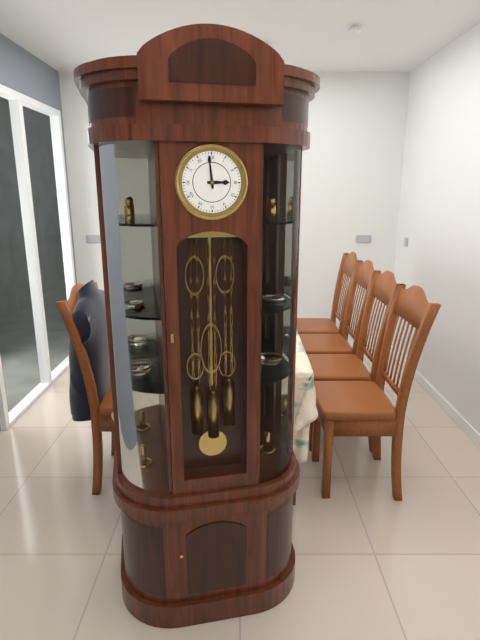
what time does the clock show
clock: 2:59
